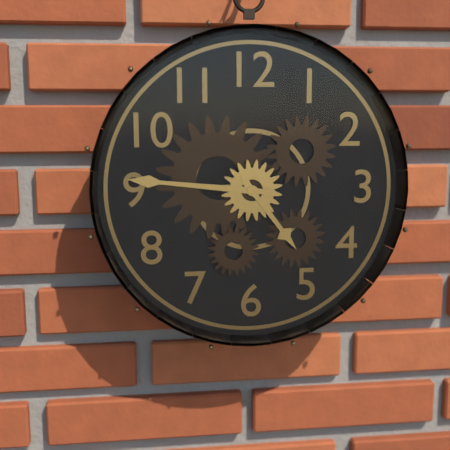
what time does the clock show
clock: 4:46
